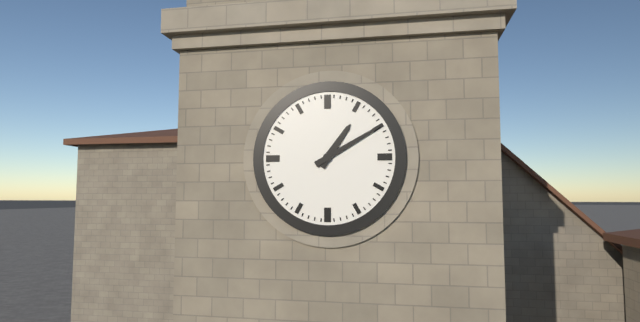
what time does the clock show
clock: 1:10
